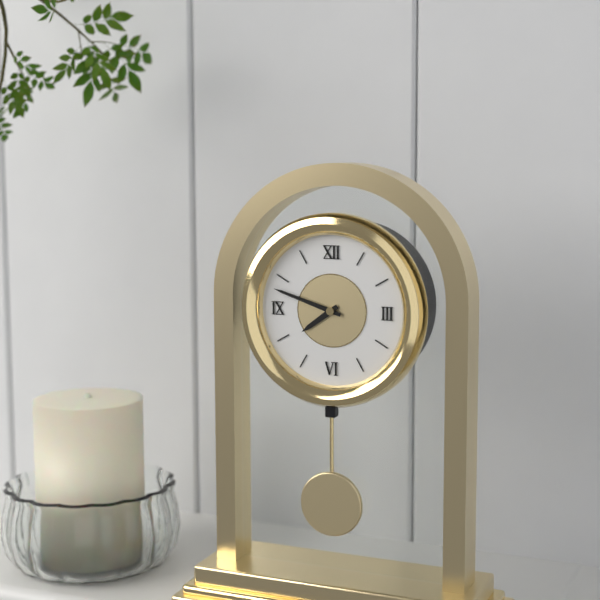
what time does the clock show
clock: 7:48
